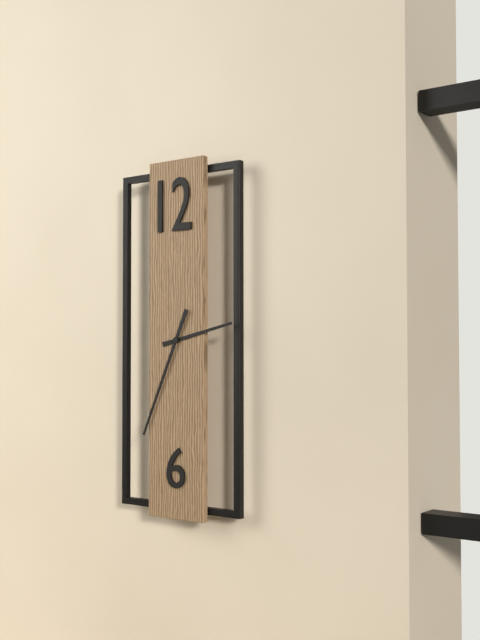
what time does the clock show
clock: 2:34
